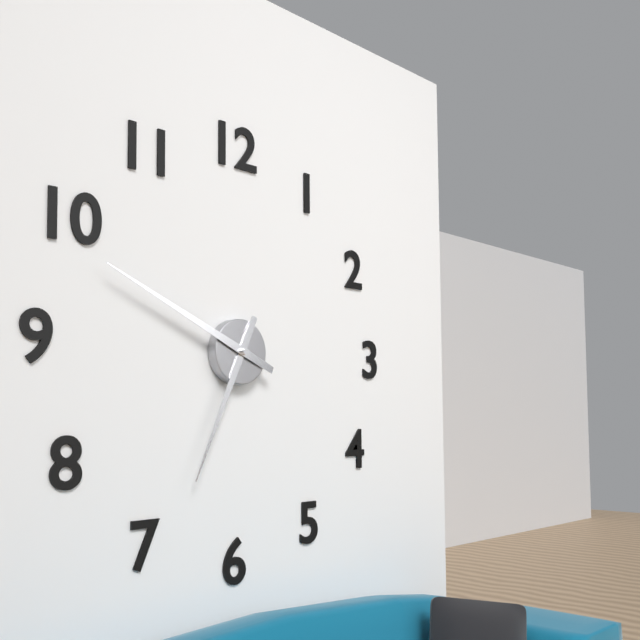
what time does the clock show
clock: 6:49
